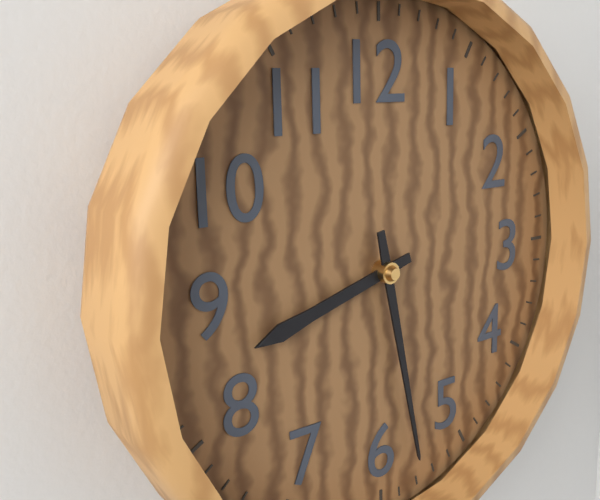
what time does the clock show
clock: 8:28
